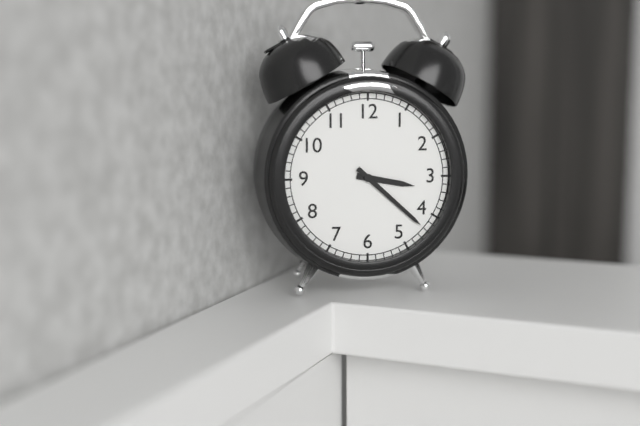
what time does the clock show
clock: 3:22
